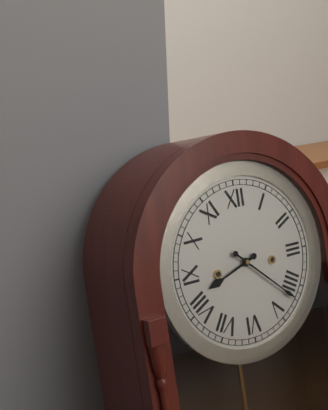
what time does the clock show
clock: 8:22
